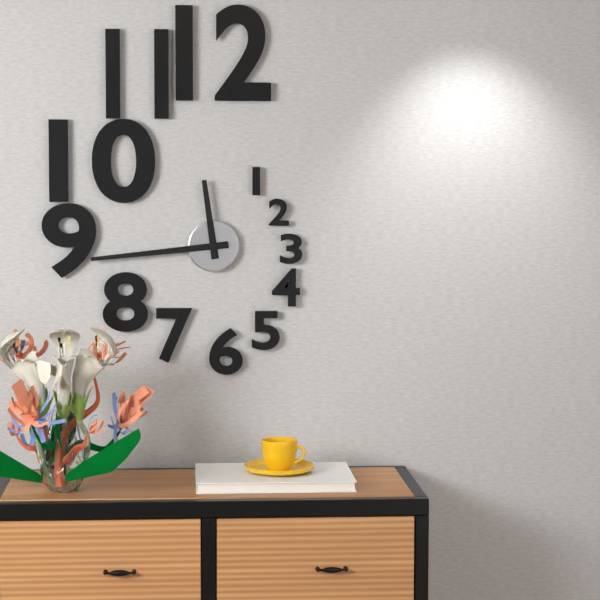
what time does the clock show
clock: 11:44
